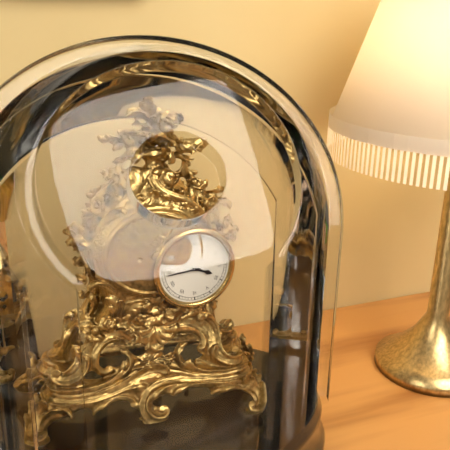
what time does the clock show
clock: 3:44
